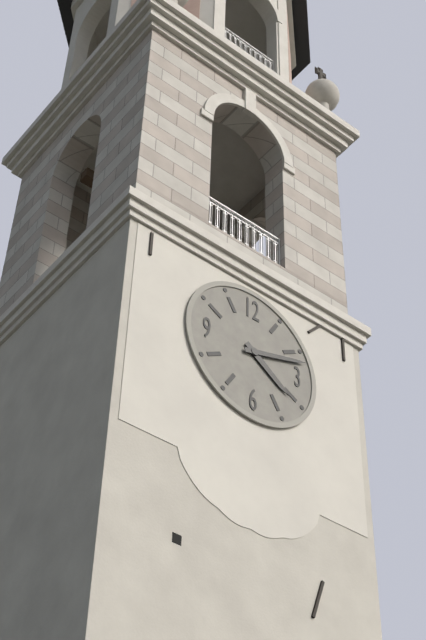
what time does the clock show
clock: 4:12
